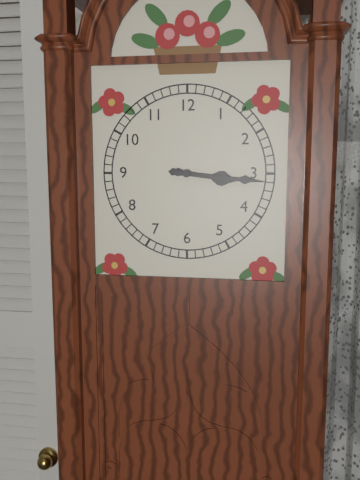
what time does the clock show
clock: 3:16
